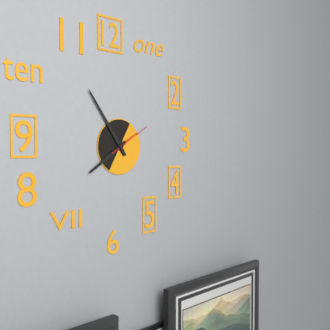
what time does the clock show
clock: 7:54
